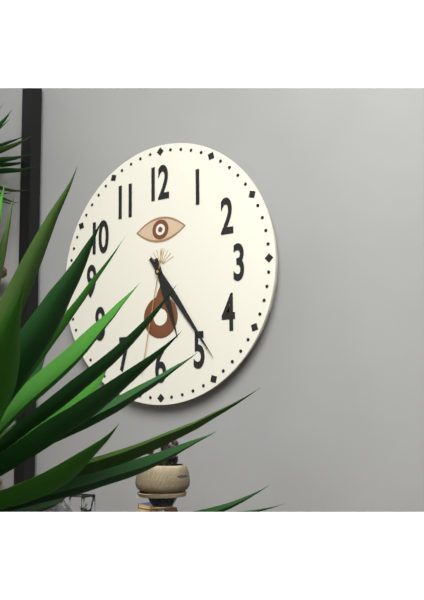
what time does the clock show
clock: 5:24:32
